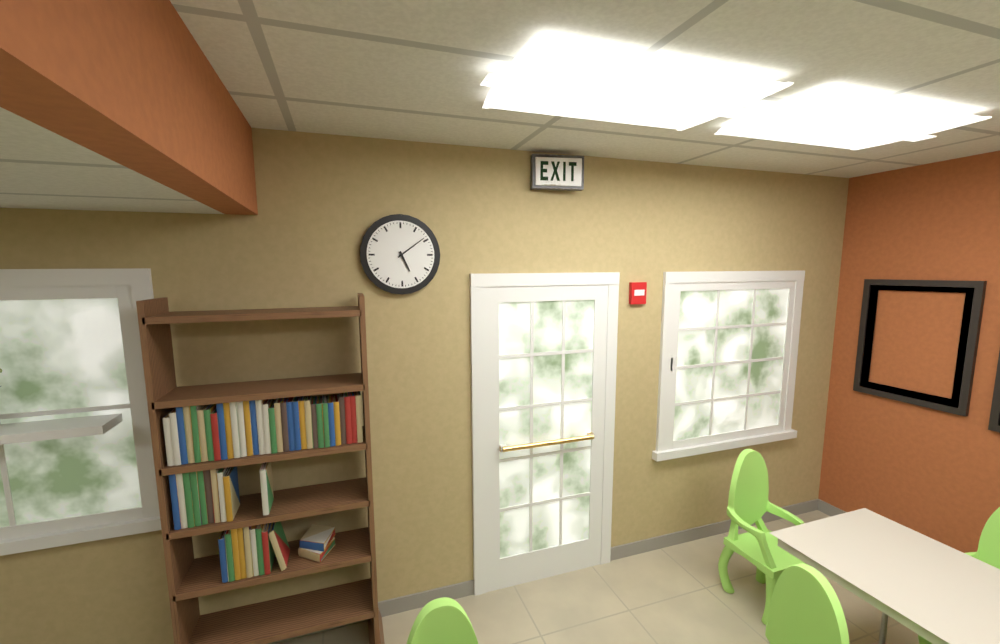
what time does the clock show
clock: 5:09
